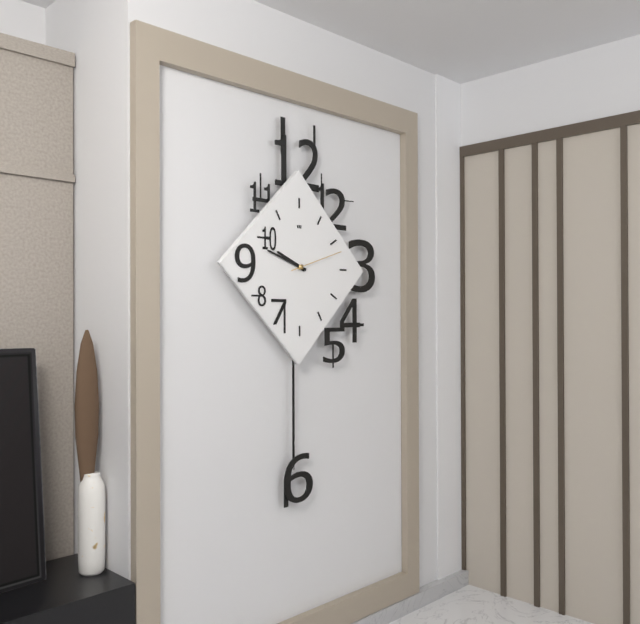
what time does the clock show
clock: 9:48:12
